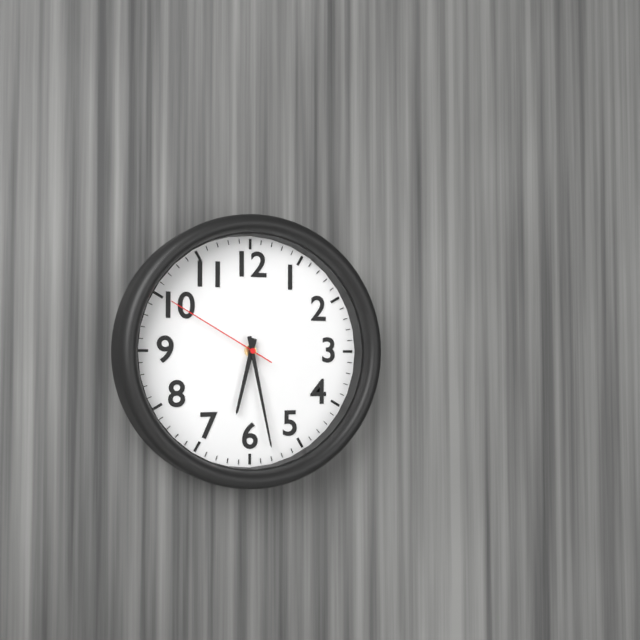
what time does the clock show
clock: 6:28:50
